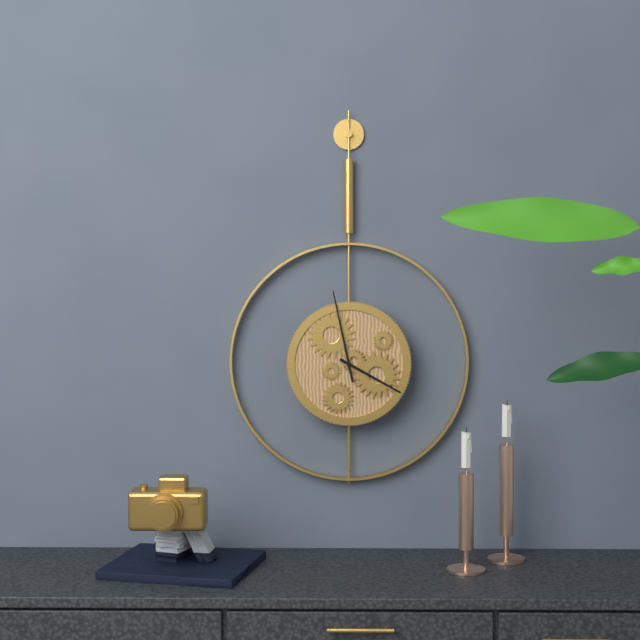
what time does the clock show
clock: 3:58
